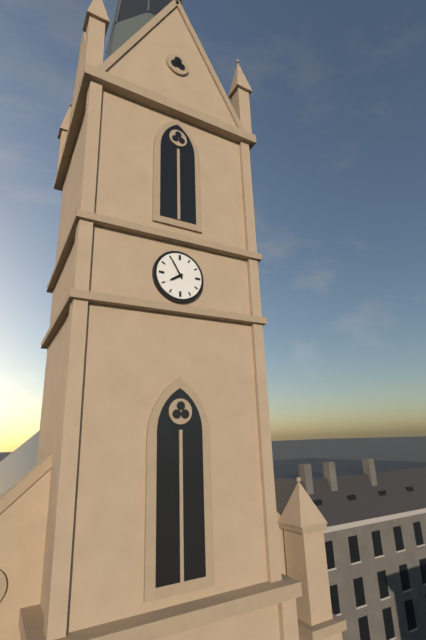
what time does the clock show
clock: 7:55
